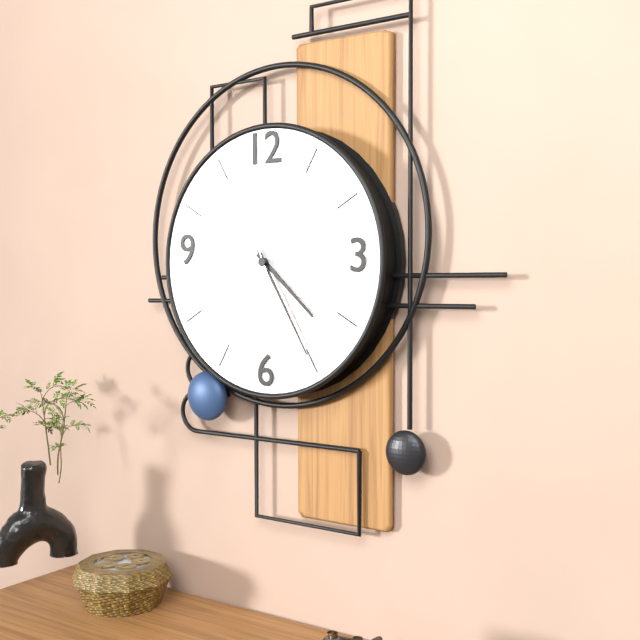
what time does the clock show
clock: 4:25:56
